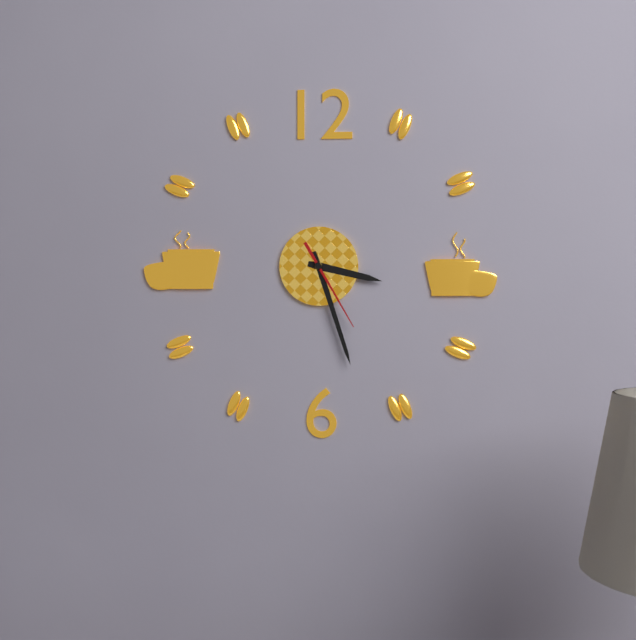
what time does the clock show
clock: 3:27:25
